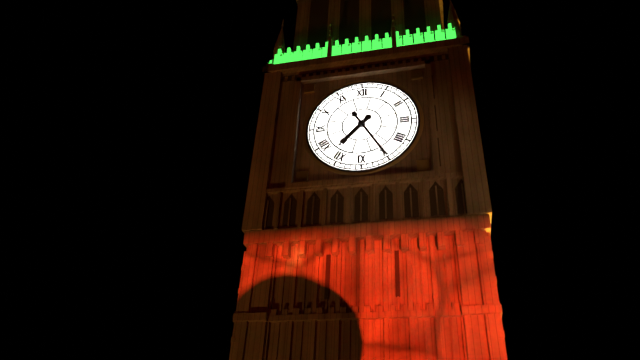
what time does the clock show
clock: 7:25
